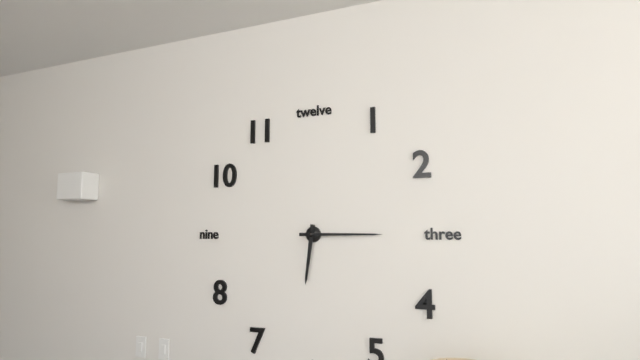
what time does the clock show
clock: 6:15
